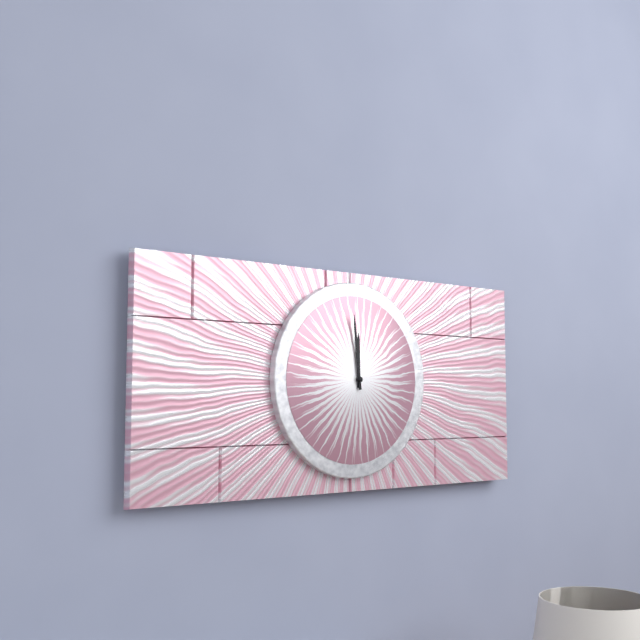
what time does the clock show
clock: 11:59
